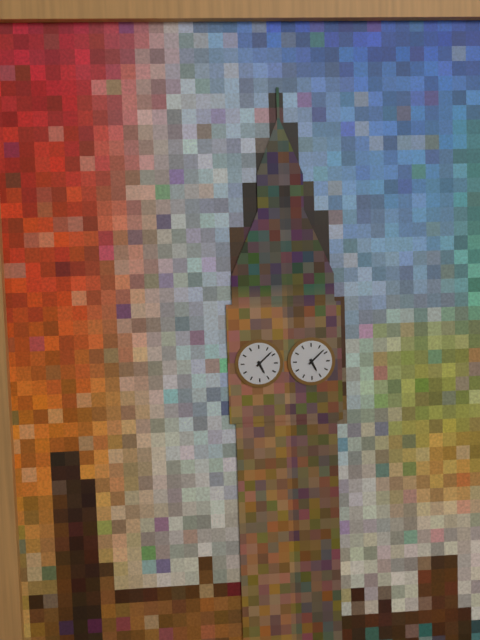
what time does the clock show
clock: 5:08
